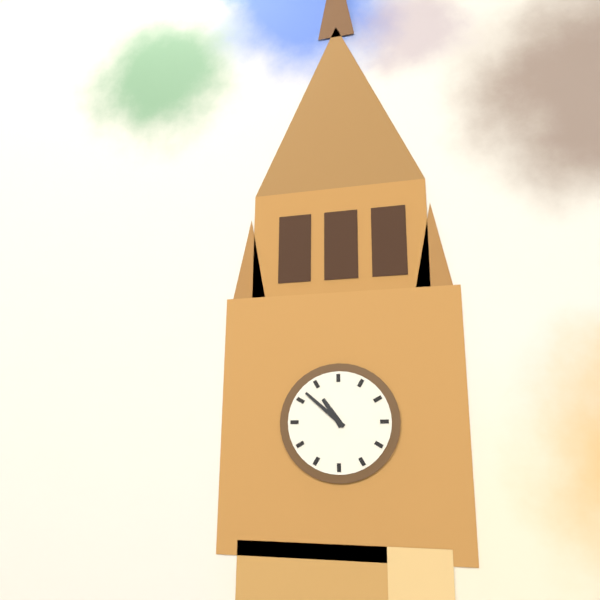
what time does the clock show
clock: 10:52
